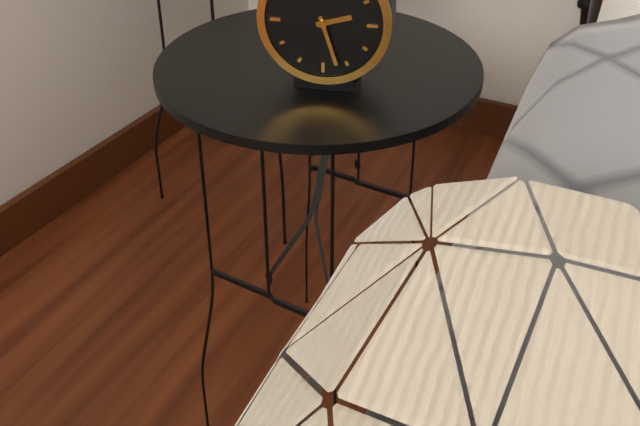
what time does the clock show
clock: 2:27
